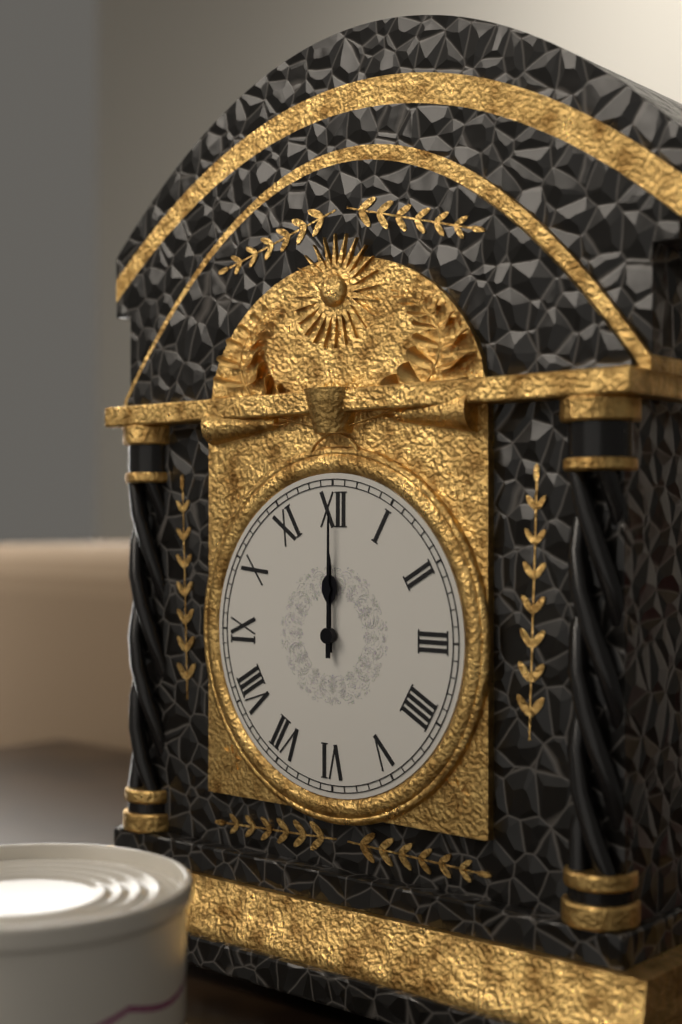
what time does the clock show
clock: 12:00
